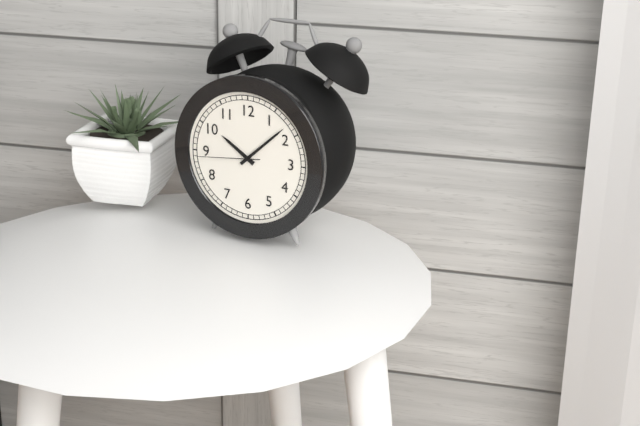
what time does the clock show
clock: 10:08:44
